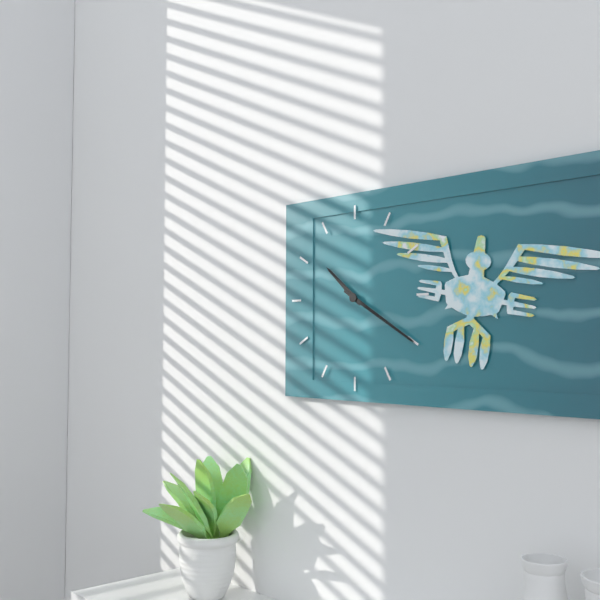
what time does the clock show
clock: 10:20
